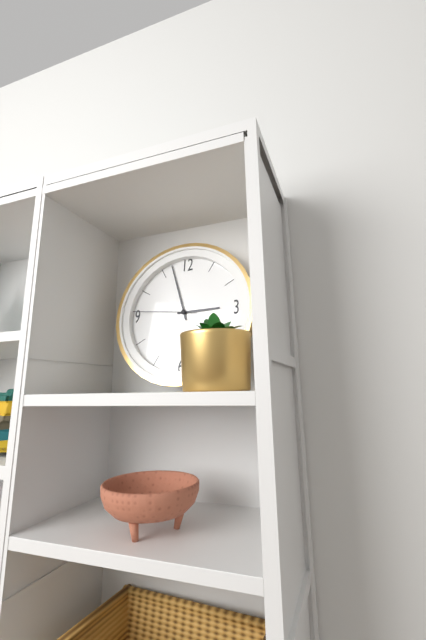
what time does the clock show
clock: 2:57:46
